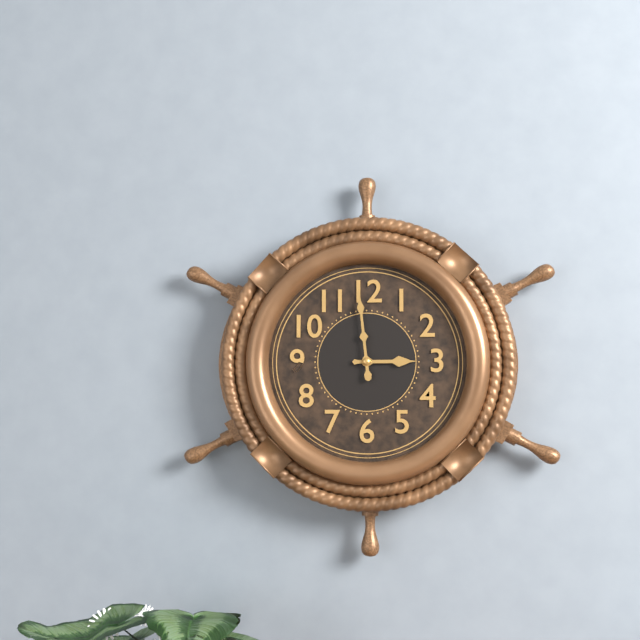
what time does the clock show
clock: 2:59
